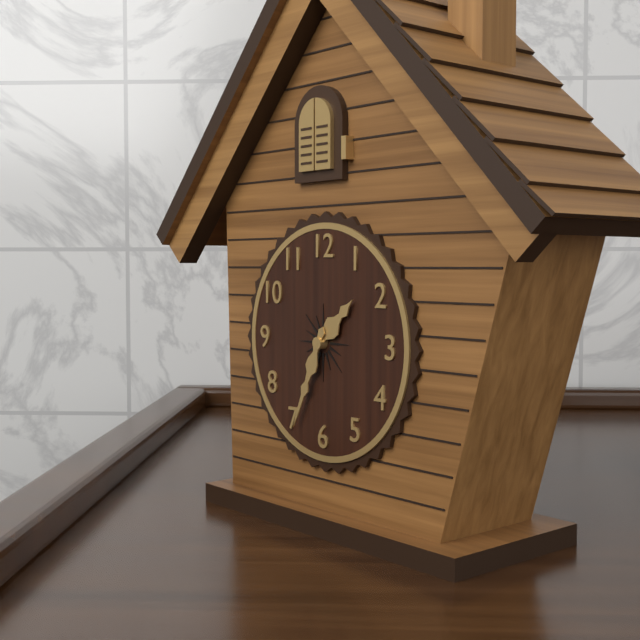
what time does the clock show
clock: 1:34
